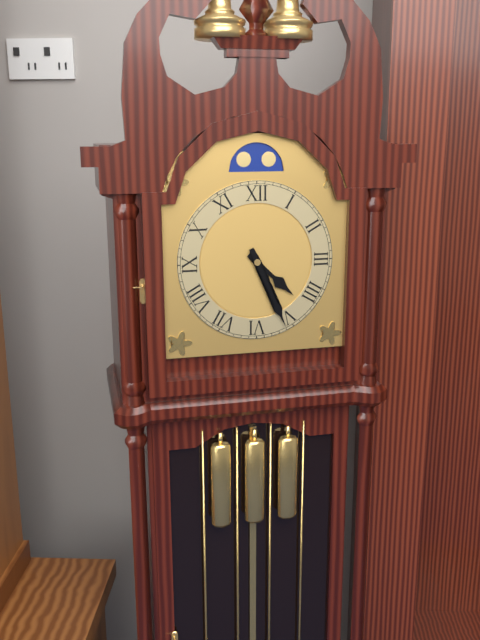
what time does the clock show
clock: 4:26
